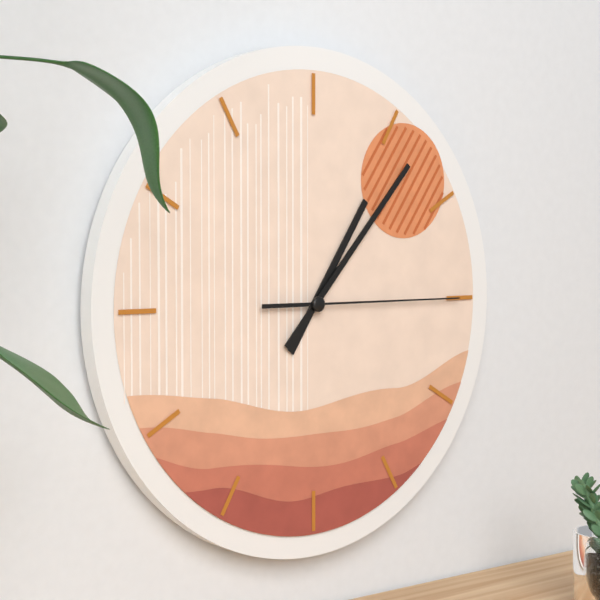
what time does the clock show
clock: 1:07:15
